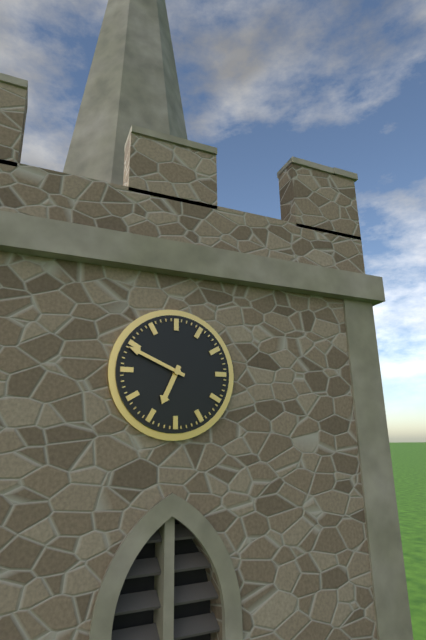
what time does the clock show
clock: 6:49
